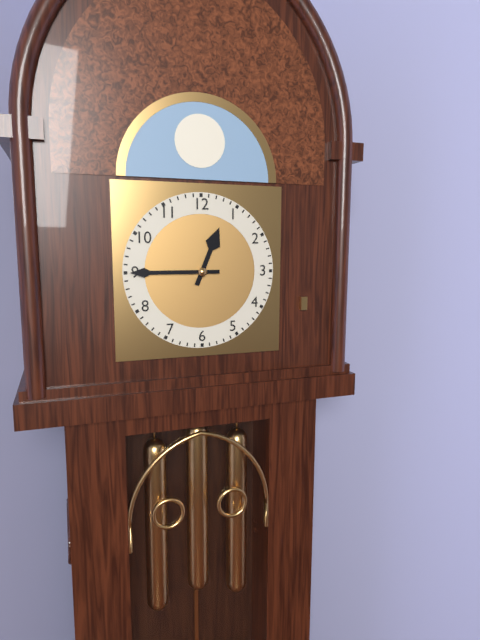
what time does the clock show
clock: 12:45
